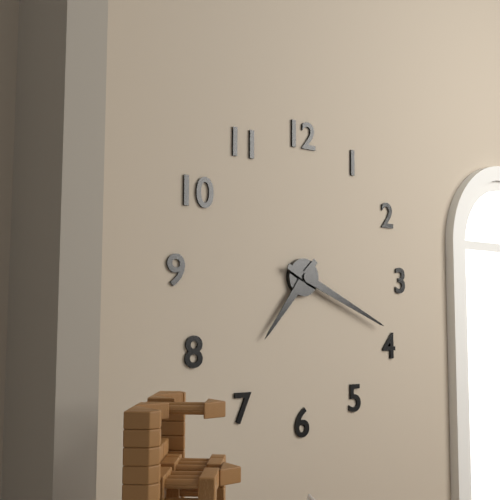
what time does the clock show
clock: 7:19
